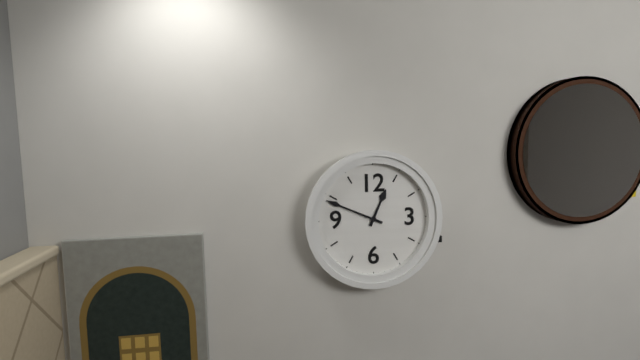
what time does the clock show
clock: 12:49
